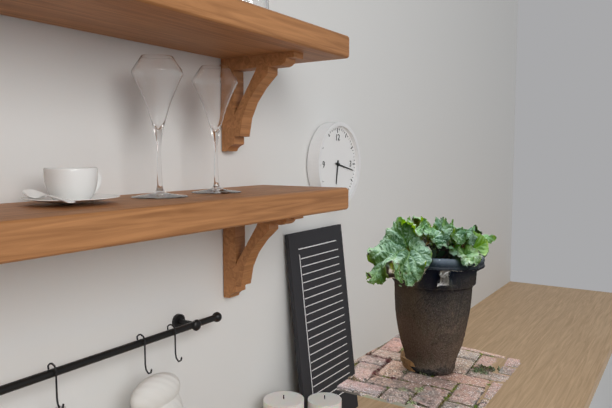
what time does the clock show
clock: 6:17
